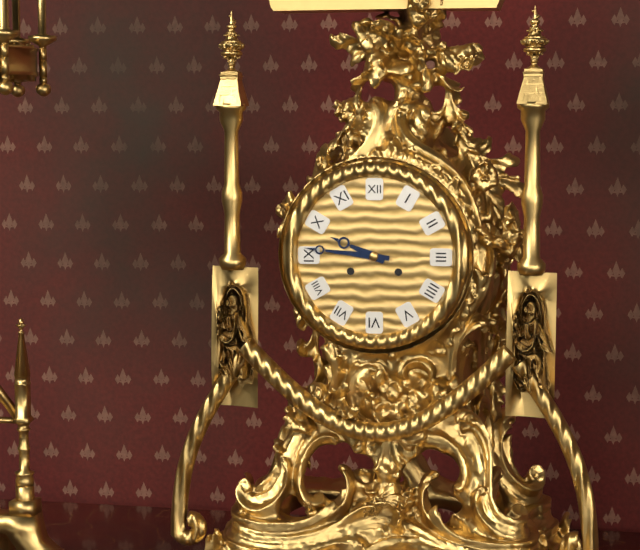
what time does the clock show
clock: 9:46
